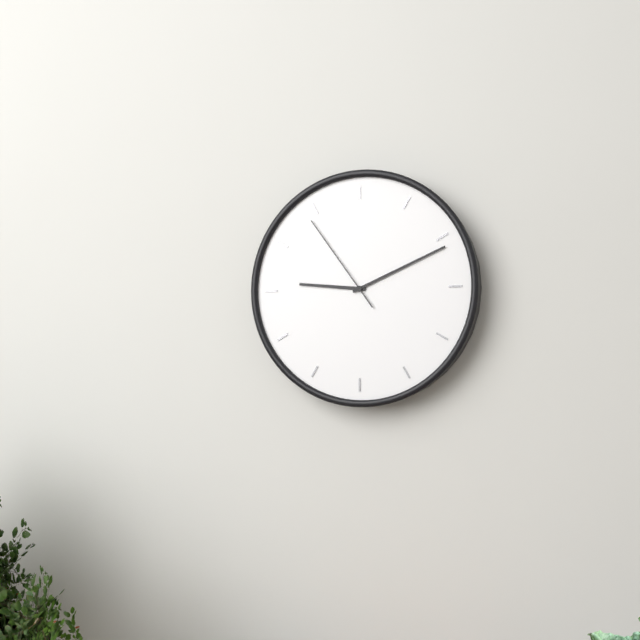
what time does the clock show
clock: 9:11:54
